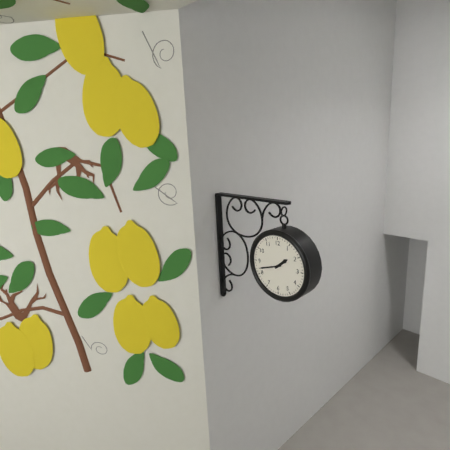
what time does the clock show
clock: 1:42
